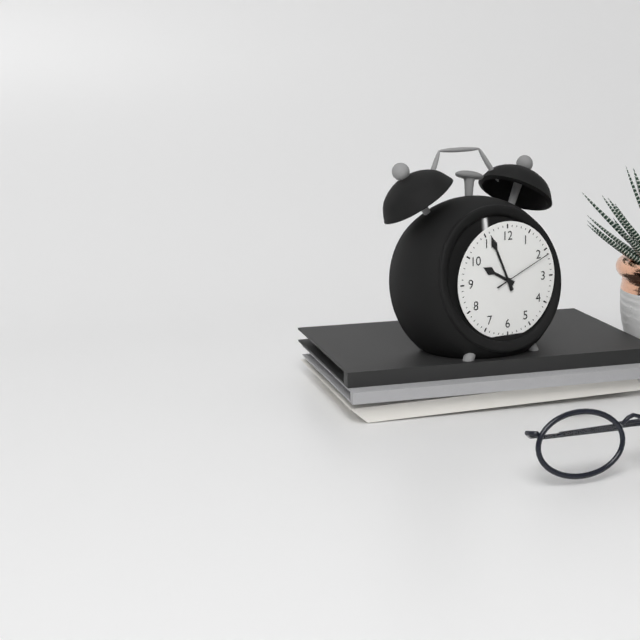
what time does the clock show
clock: 9:56:11
